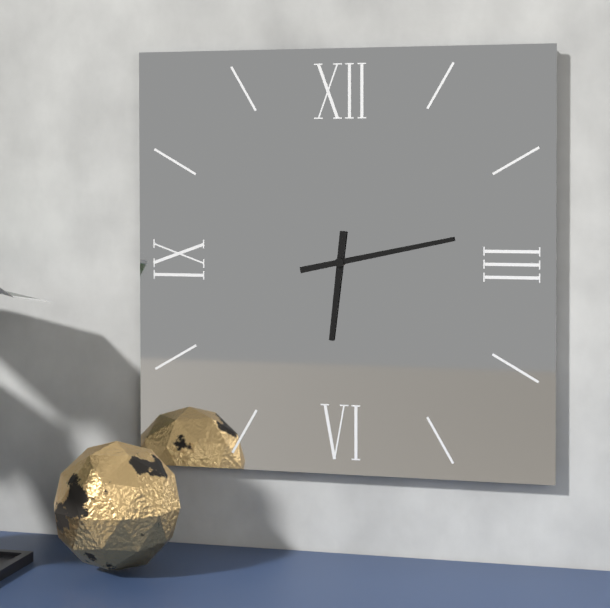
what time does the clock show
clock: 6:13
